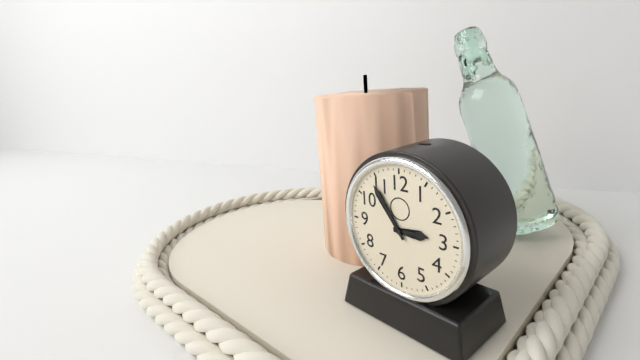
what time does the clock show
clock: 2:54
